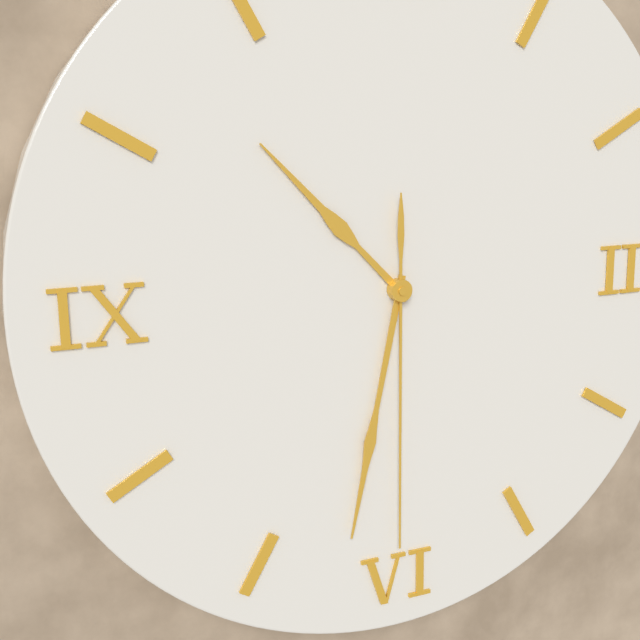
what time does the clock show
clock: 10:32:30
